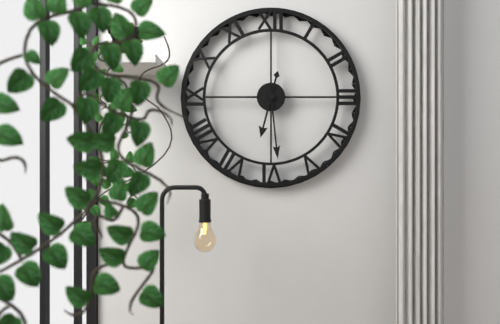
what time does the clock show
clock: 6:29
